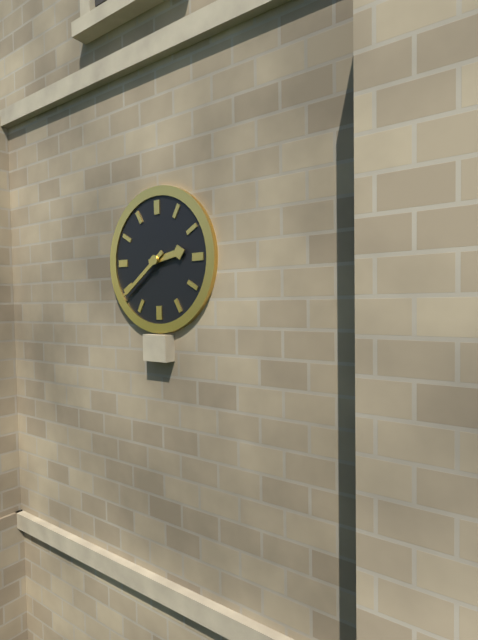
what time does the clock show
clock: 2:39
